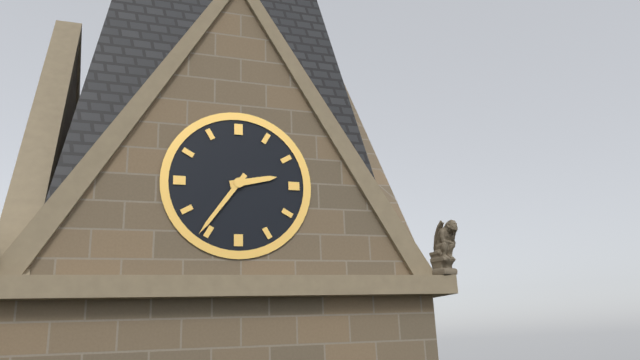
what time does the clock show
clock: 2:36
